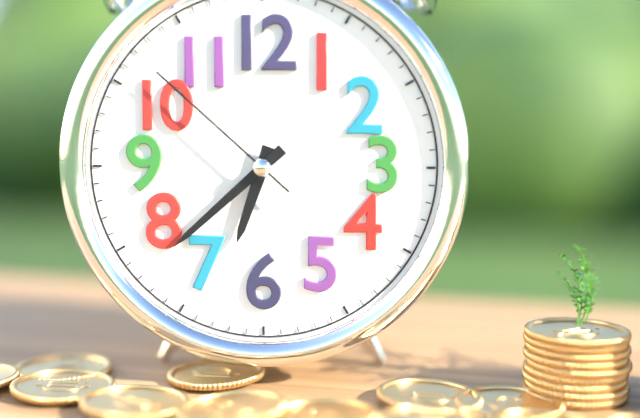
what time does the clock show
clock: 6:38:52
